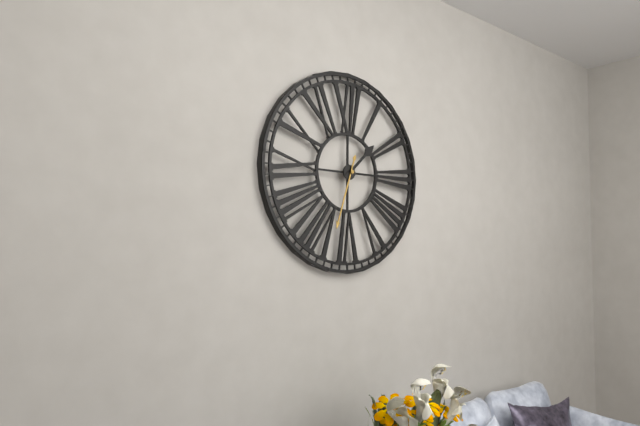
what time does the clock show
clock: 1:33
